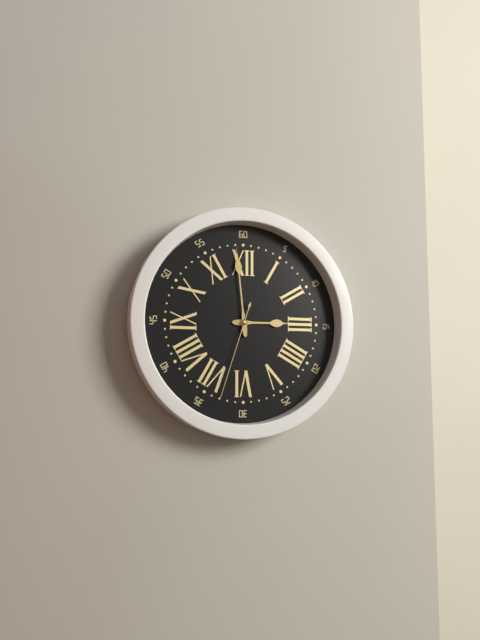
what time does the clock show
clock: 2:59:33
